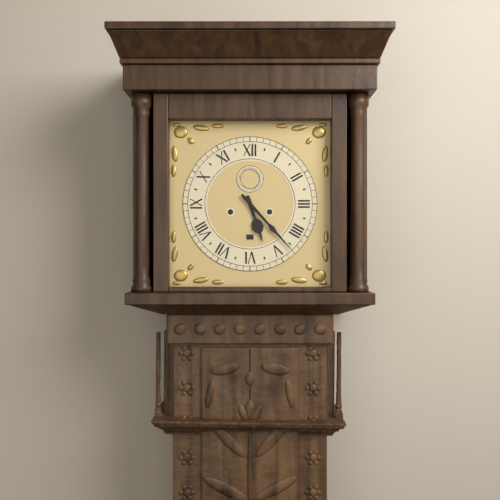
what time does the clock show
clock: 5:23
